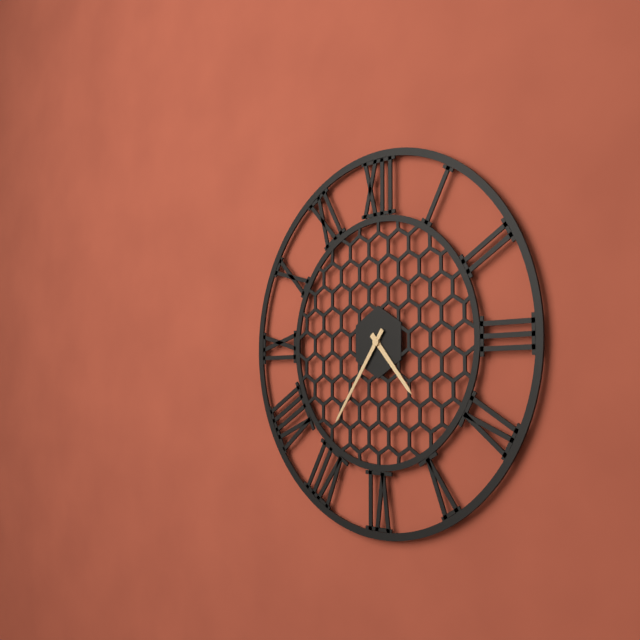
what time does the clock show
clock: 4:36
